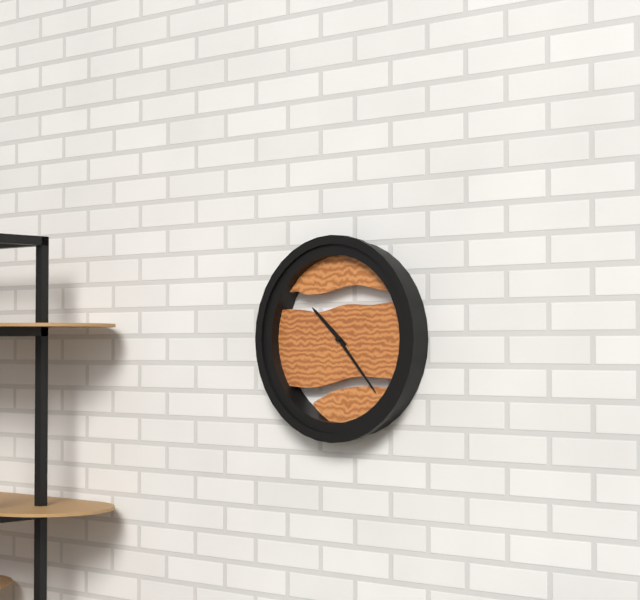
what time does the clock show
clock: 10:23
